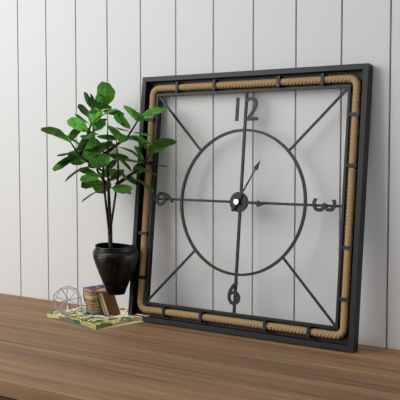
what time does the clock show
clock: 3:05
